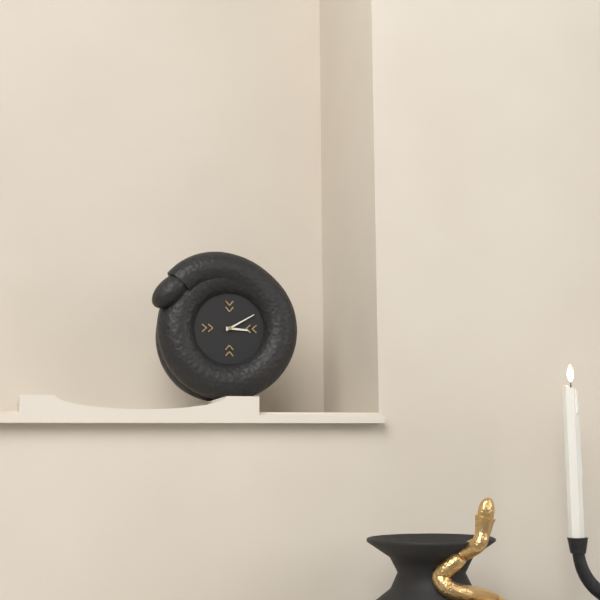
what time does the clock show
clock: 3:10
